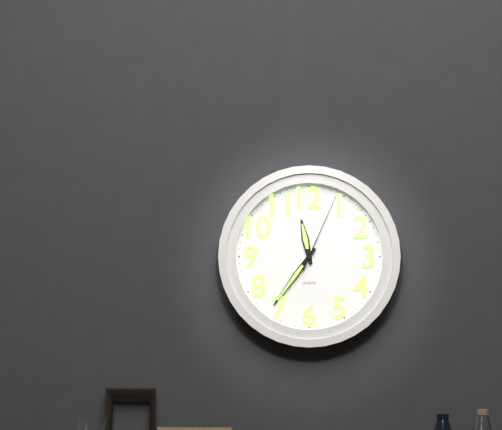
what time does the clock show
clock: 11:36:04
